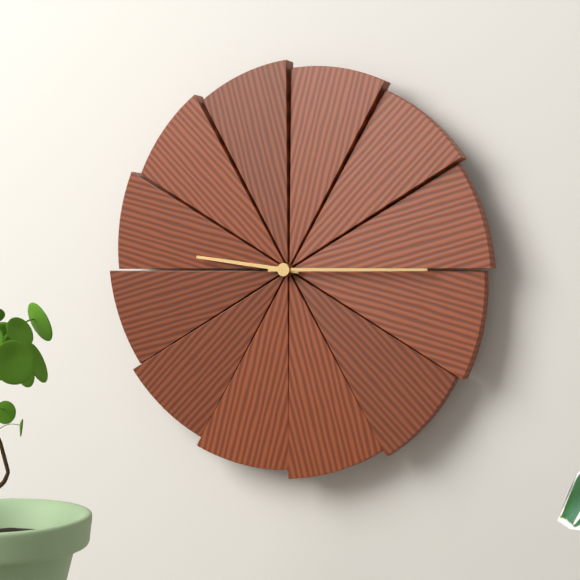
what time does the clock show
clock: 9:15
